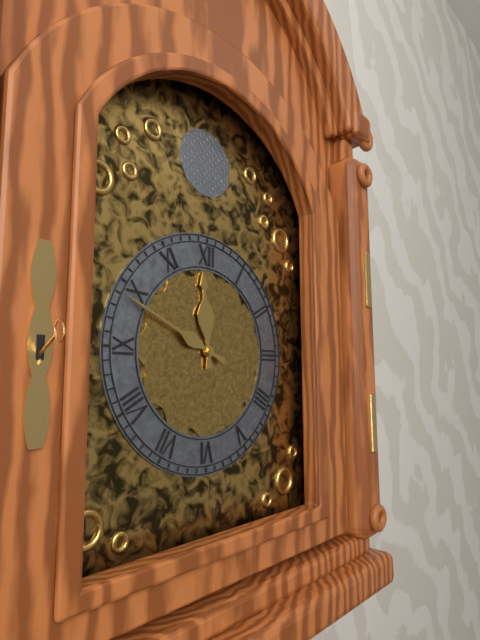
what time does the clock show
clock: 11:49
